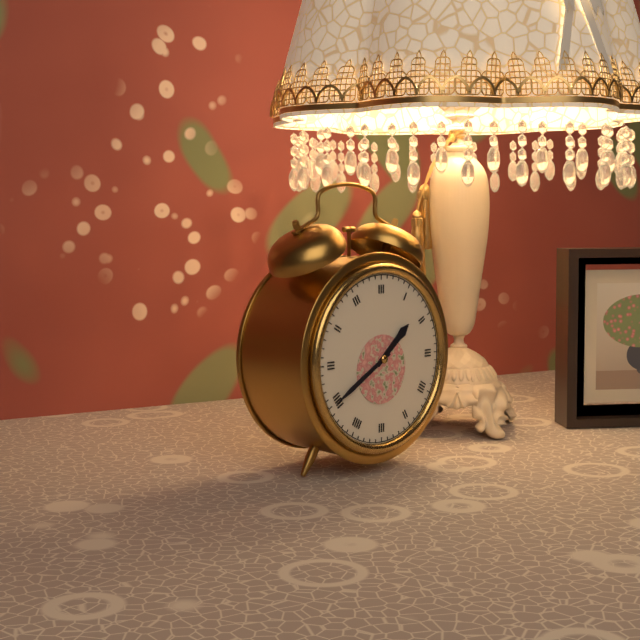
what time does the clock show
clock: 1:40
